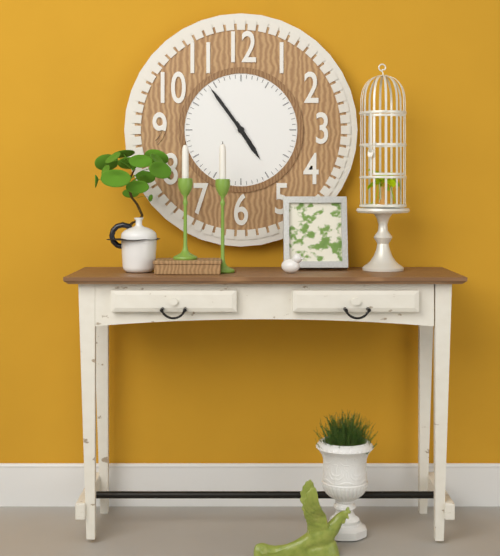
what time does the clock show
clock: 4:54
